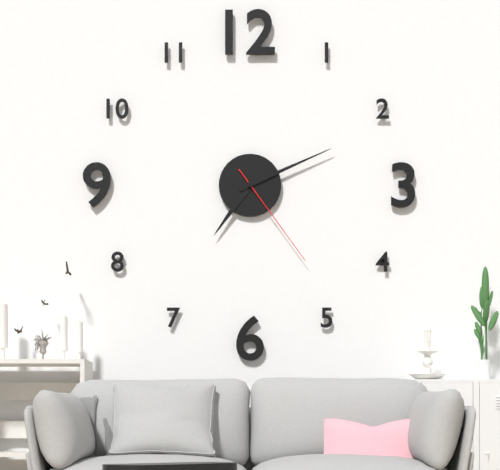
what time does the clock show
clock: 7:11:24
